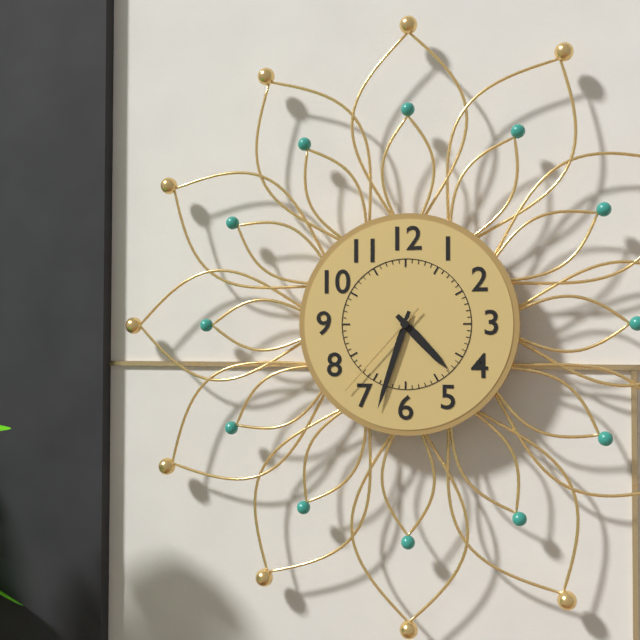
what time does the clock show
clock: 4:33:37
